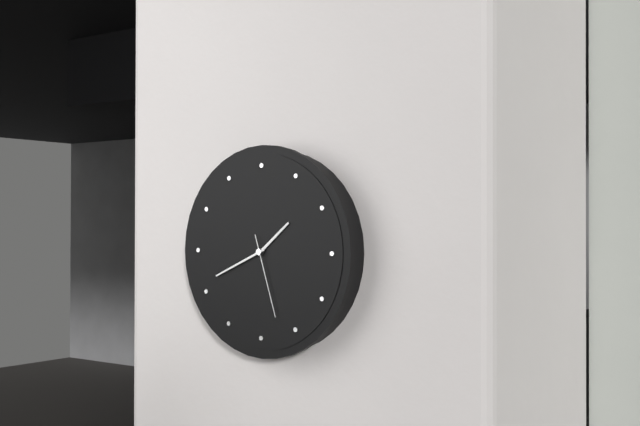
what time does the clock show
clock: 1:41:27
